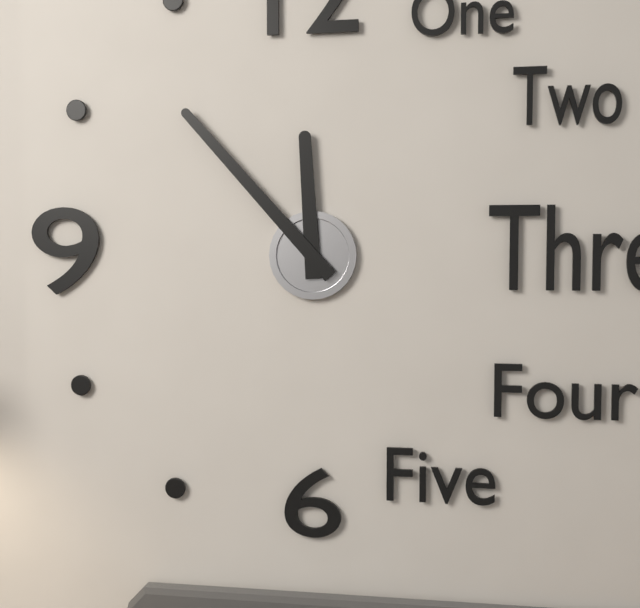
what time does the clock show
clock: 11:53
